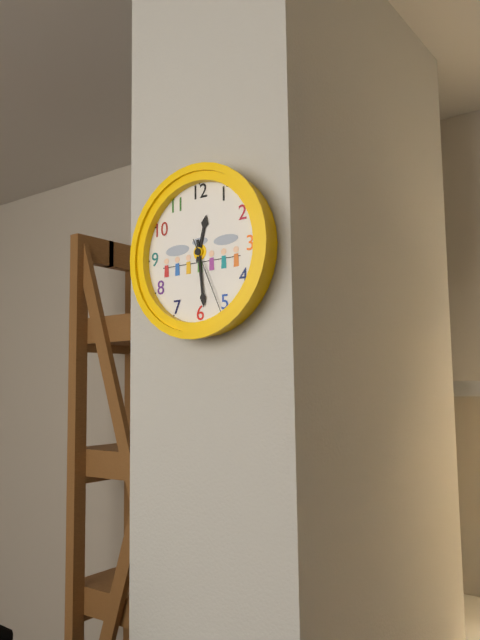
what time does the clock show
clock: 12:29:26
